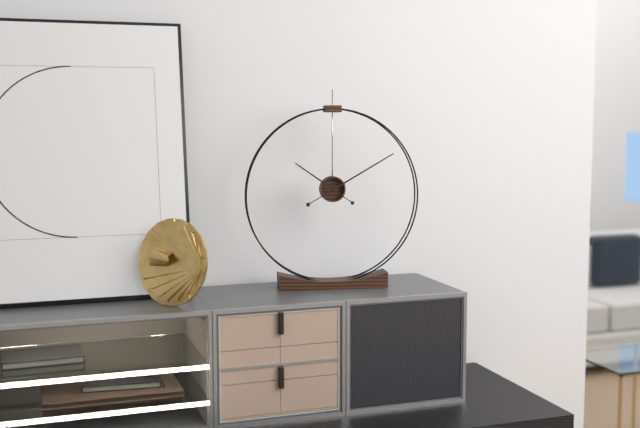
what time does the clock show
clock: 10:10
